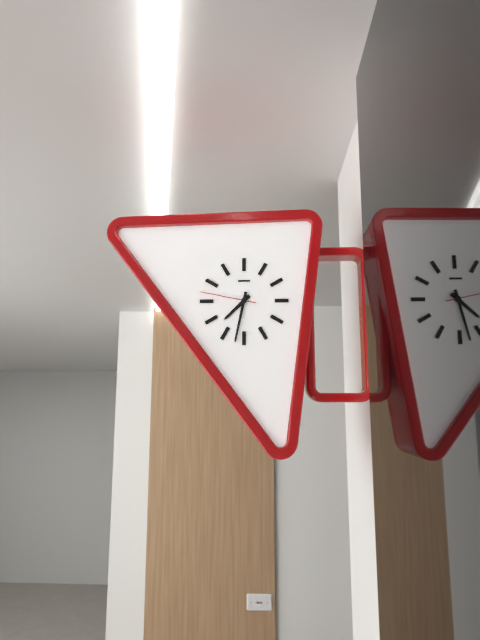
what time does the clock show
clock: 7:32:47
